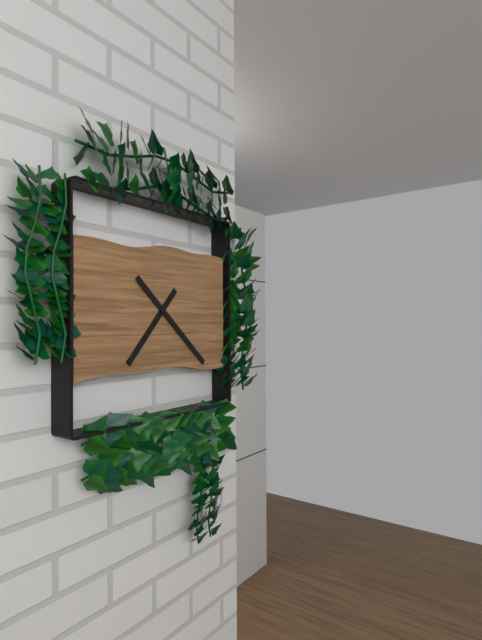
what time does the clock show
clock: 7:22
